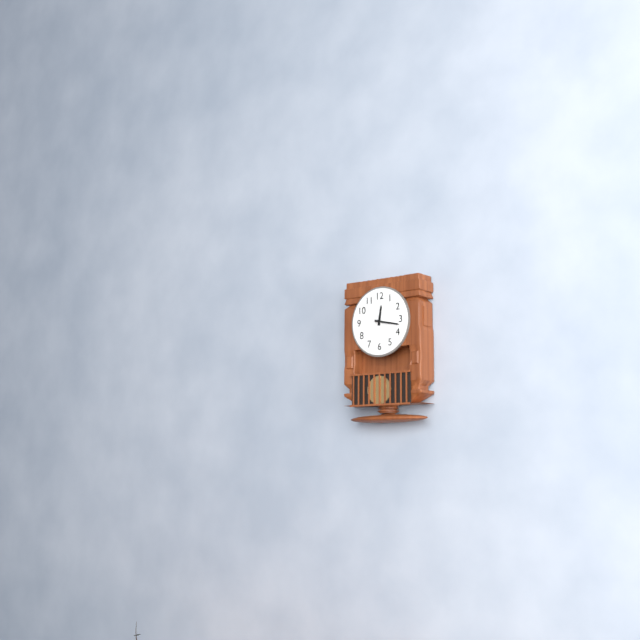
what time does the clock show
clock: 12:17
